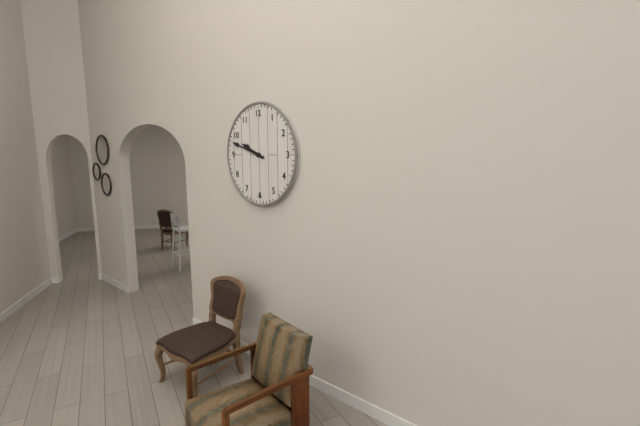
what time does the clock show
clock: 9:48
